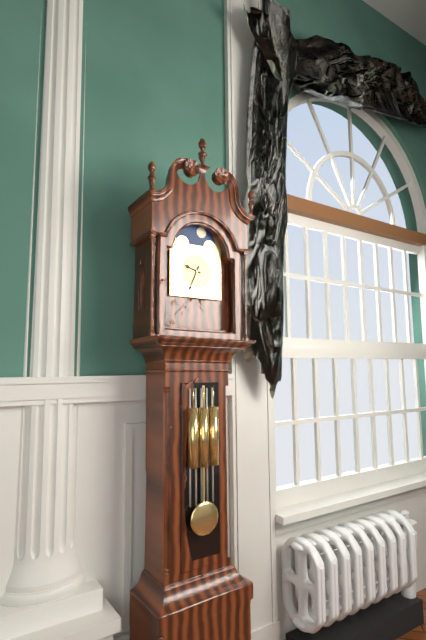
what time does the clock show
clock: 9:34
